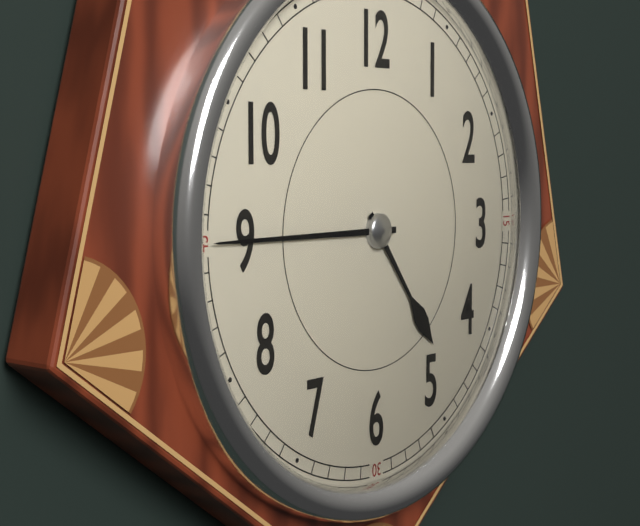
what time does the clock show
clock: 4:45
